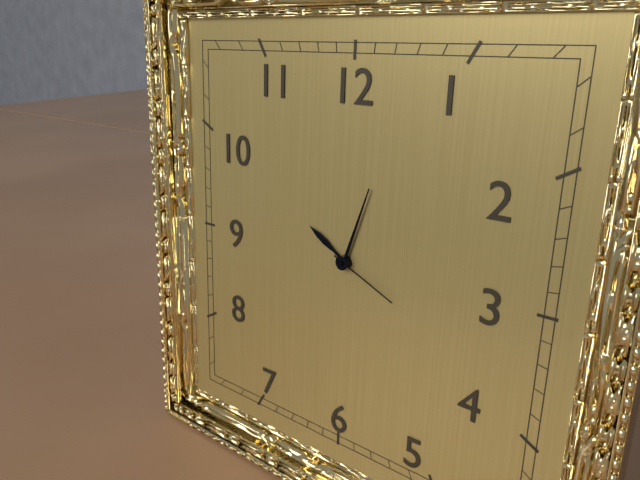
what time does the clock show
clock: 10:03:19
